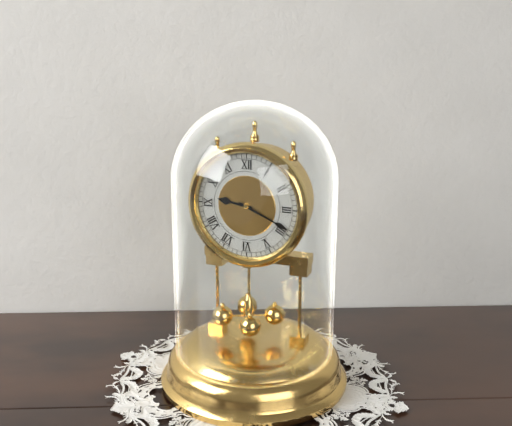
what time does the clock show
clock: 9:19
